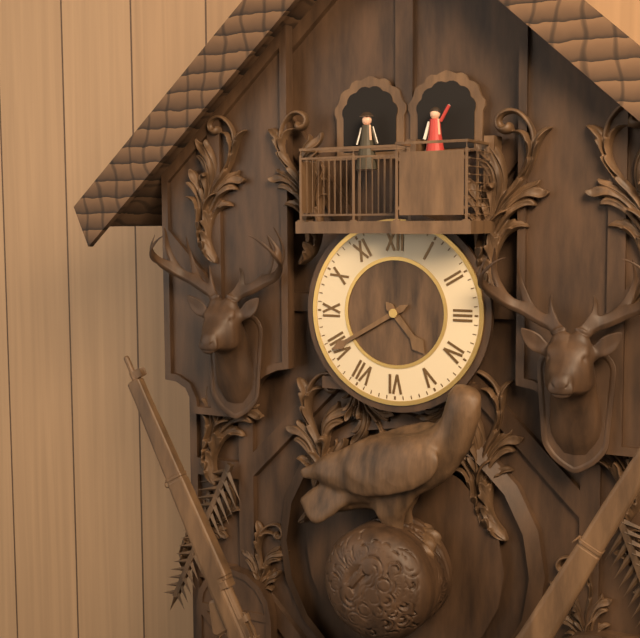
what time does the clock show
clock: 4:40
